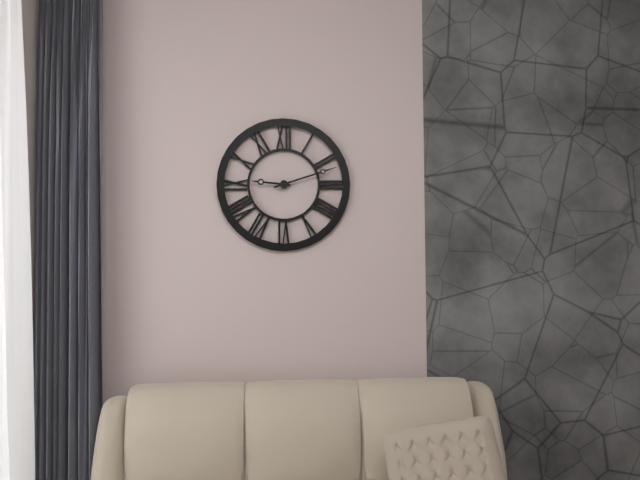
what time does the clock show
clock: 9:12
